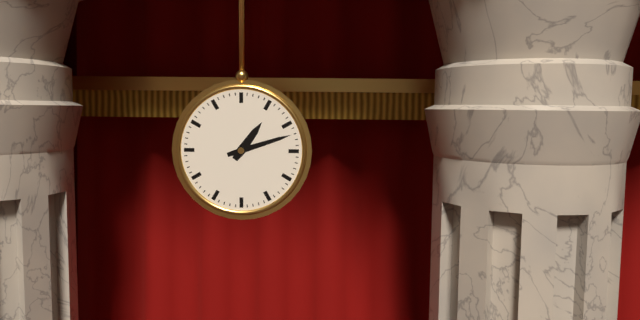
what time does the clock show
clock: 1:12
